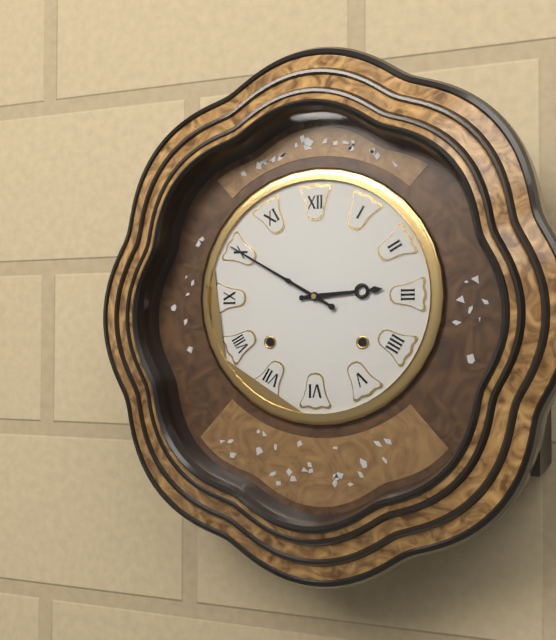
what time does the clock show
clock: 2:50
